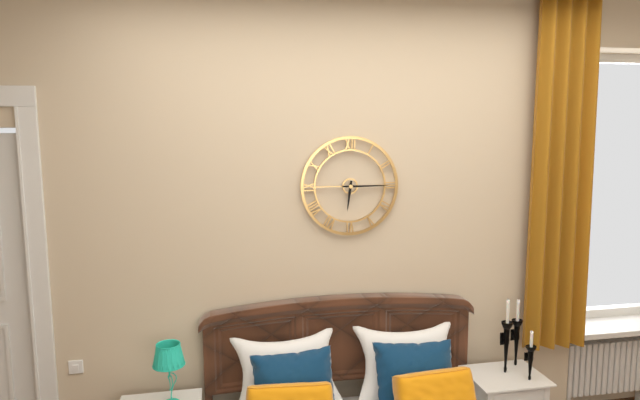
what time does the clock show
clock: 6:15
